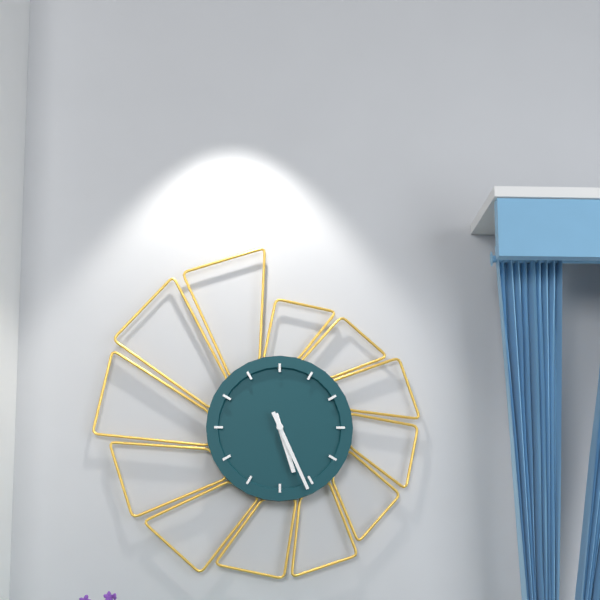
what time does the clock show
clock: 5:26
